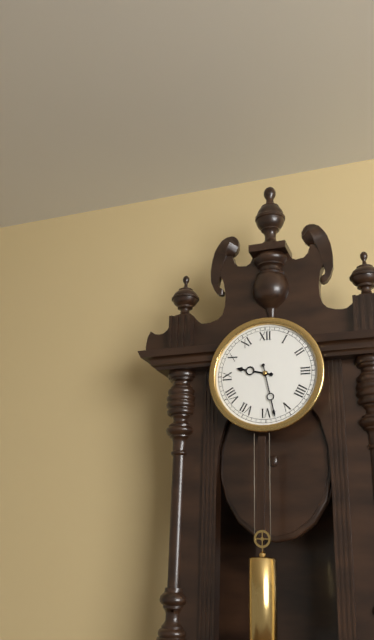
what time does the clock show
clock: 9:28
